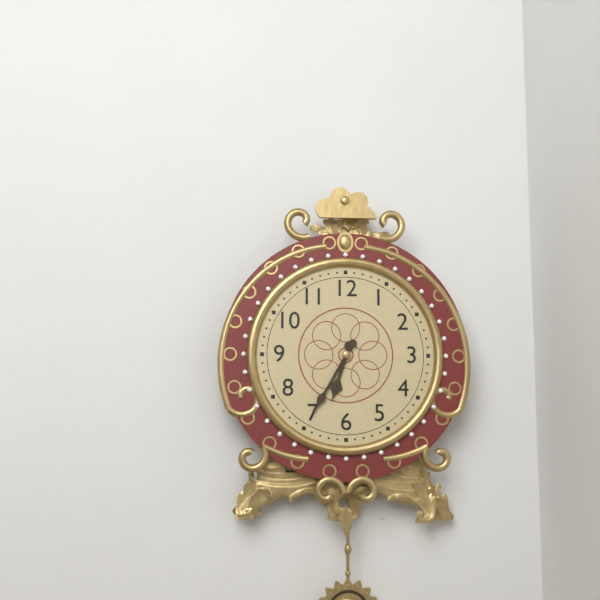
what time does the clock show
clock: 6:35
